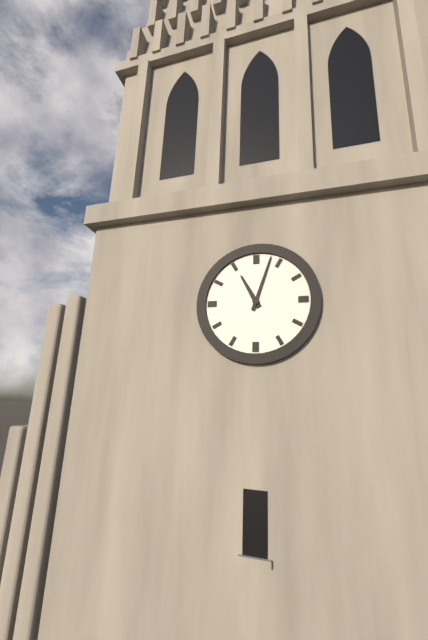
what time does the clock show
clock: 11:03
